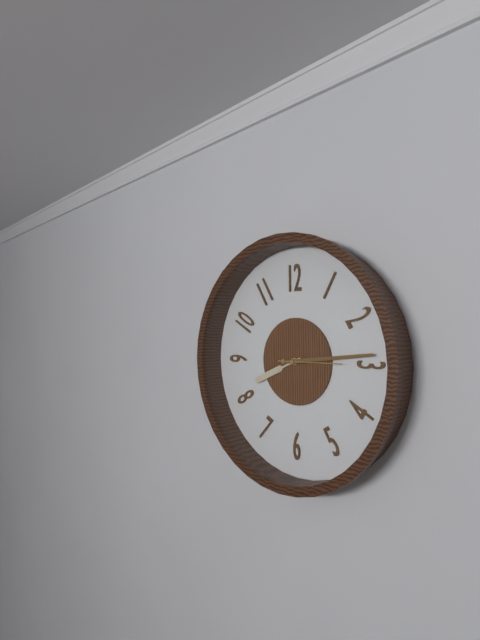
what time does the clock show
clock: 8:14:15
